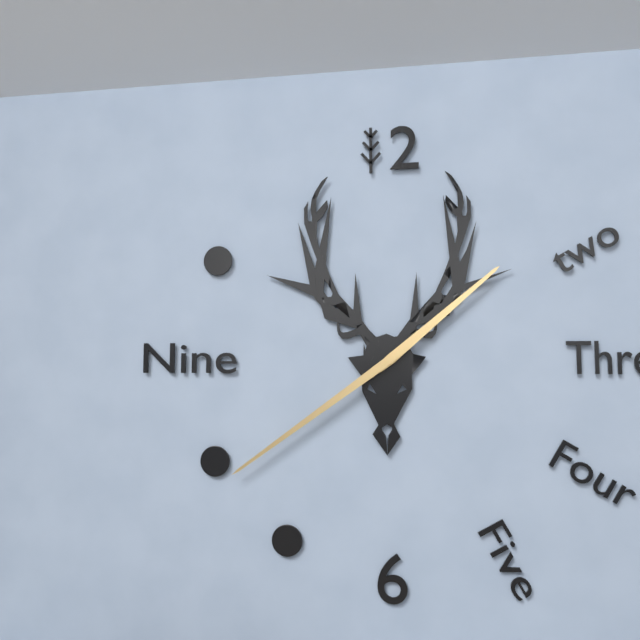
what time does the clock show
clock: 1:39
